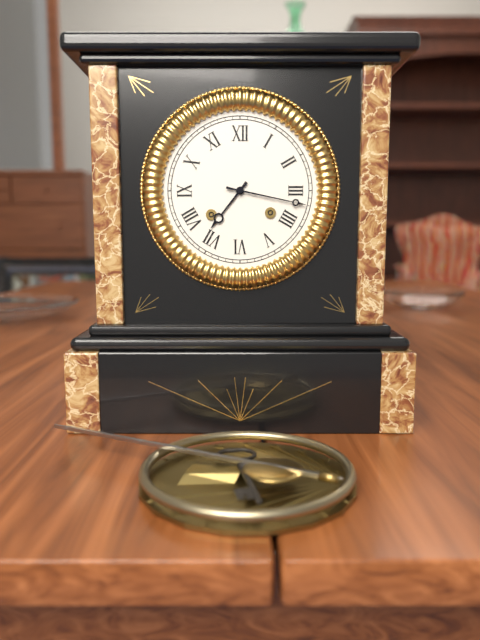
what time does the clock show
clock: 7:17
